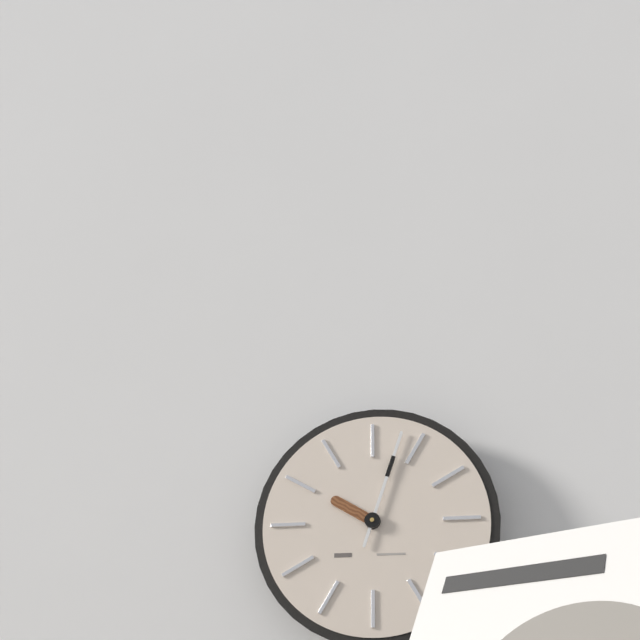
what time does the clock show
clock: 10:03
